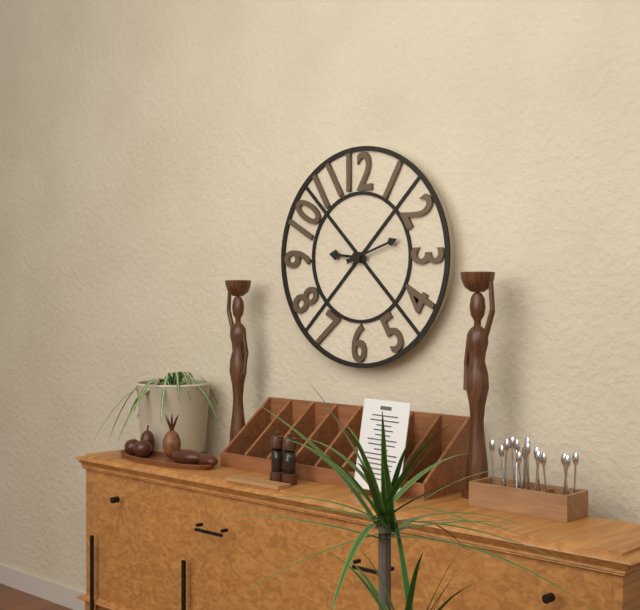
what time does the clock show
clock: 9:12
